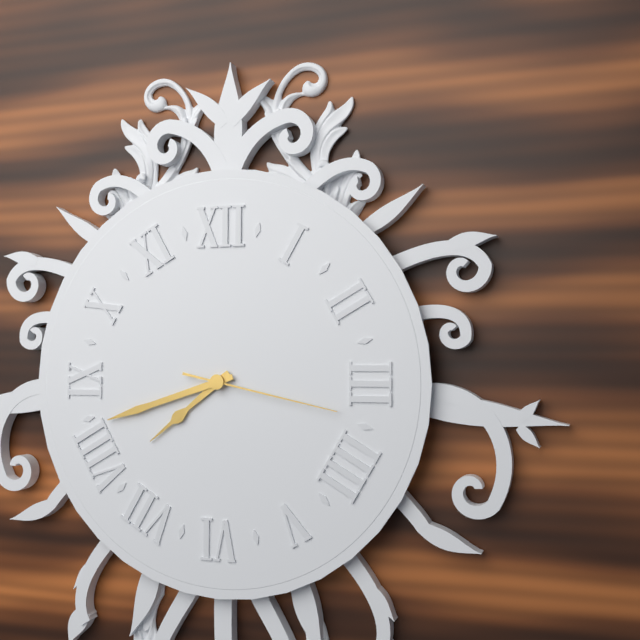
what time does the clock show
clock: 7:42:17
